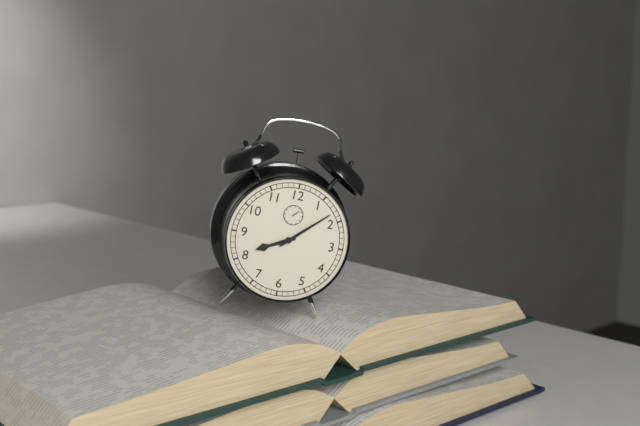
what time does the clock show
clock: 8:08
